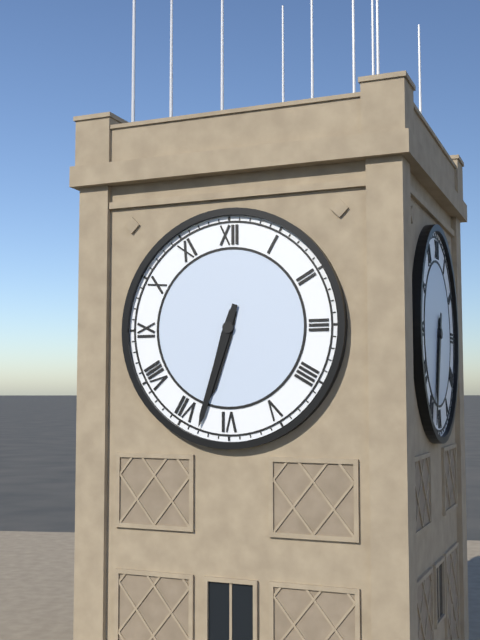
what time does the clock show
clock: 6:33
